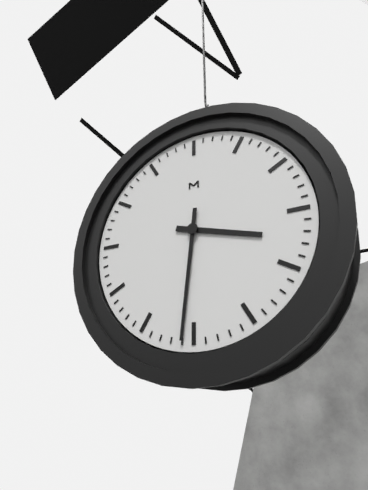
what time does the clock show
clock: 3:31
